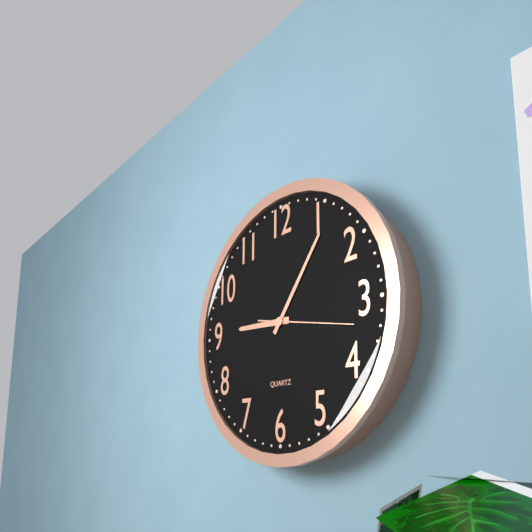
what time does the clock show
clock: 9:06:17
